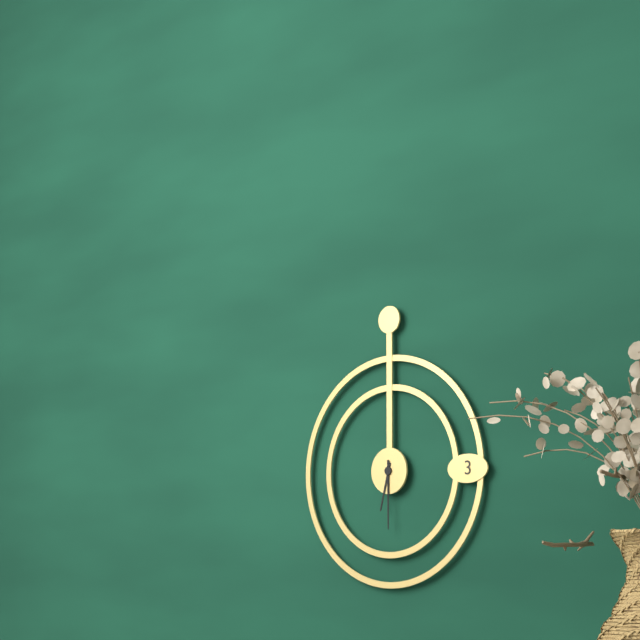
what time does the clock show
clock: 6:30
